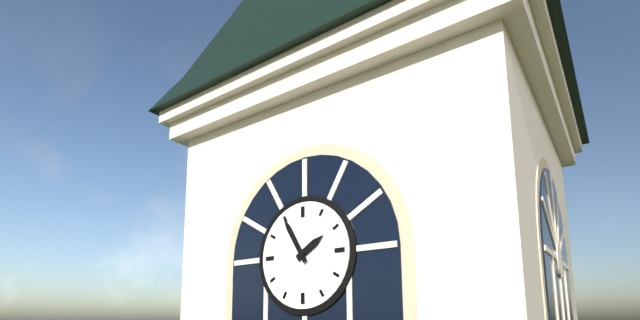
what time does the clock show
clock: 1:55
